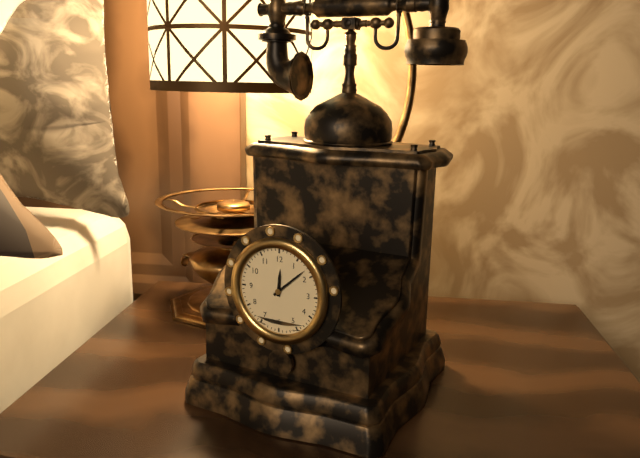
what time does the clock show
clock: 12:08
